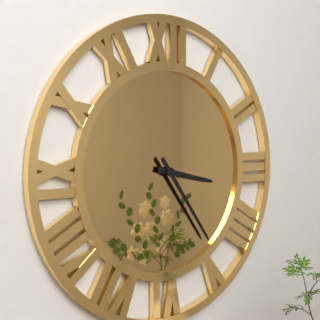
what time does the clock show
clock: 3:24
